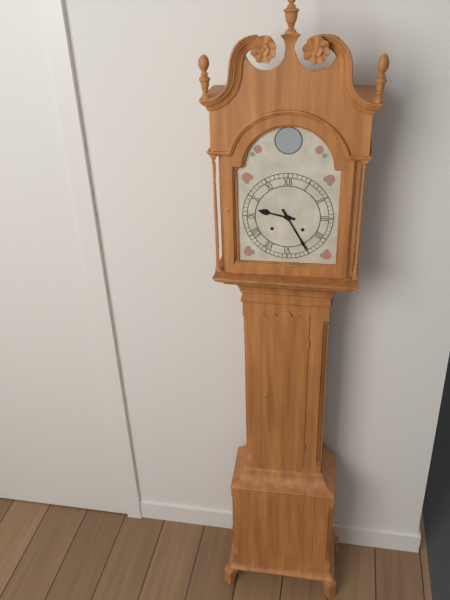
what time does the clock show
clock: 9:25
